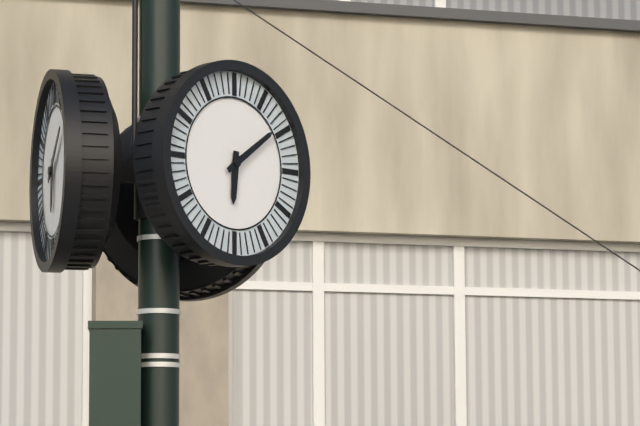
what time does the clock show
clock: 6:09
